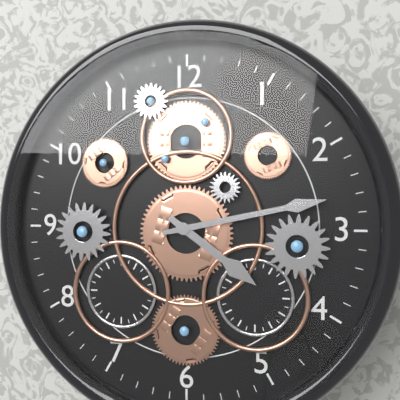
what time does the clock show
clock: 4:13
